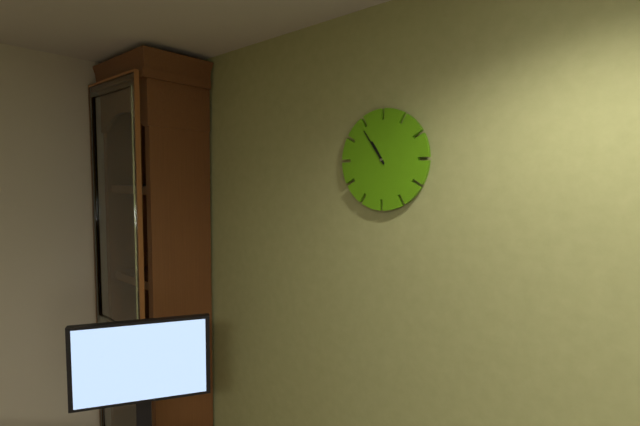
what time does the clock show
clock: 10:54
